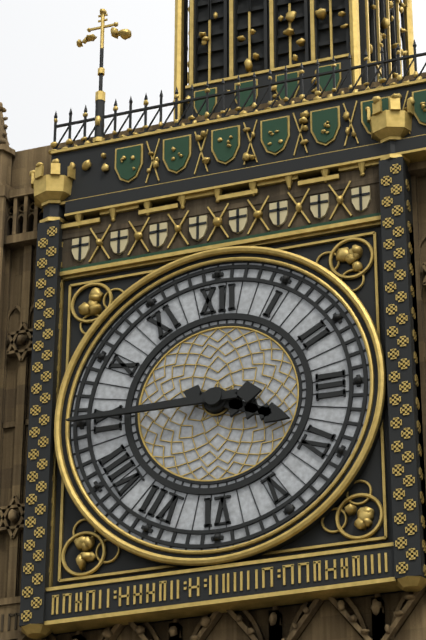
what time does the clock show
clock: 3:45
